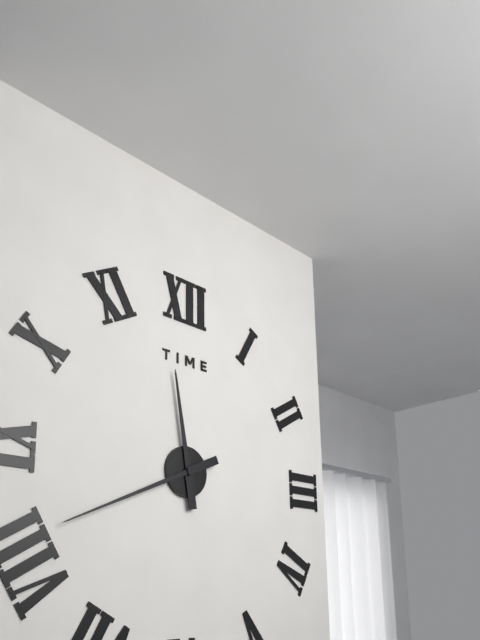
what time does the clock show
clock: 11:41
